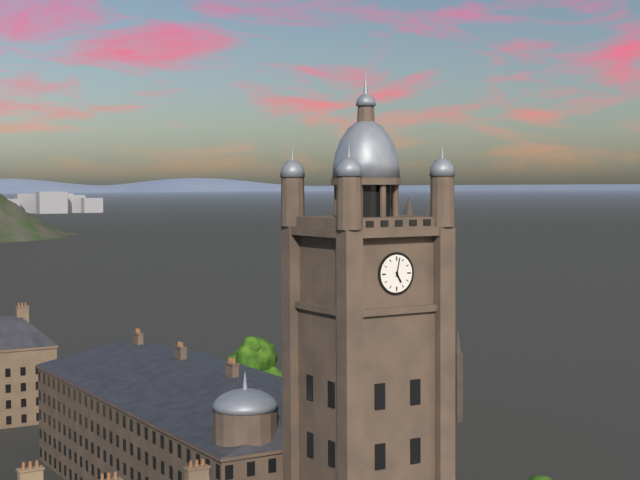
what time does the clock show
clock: 5:02
